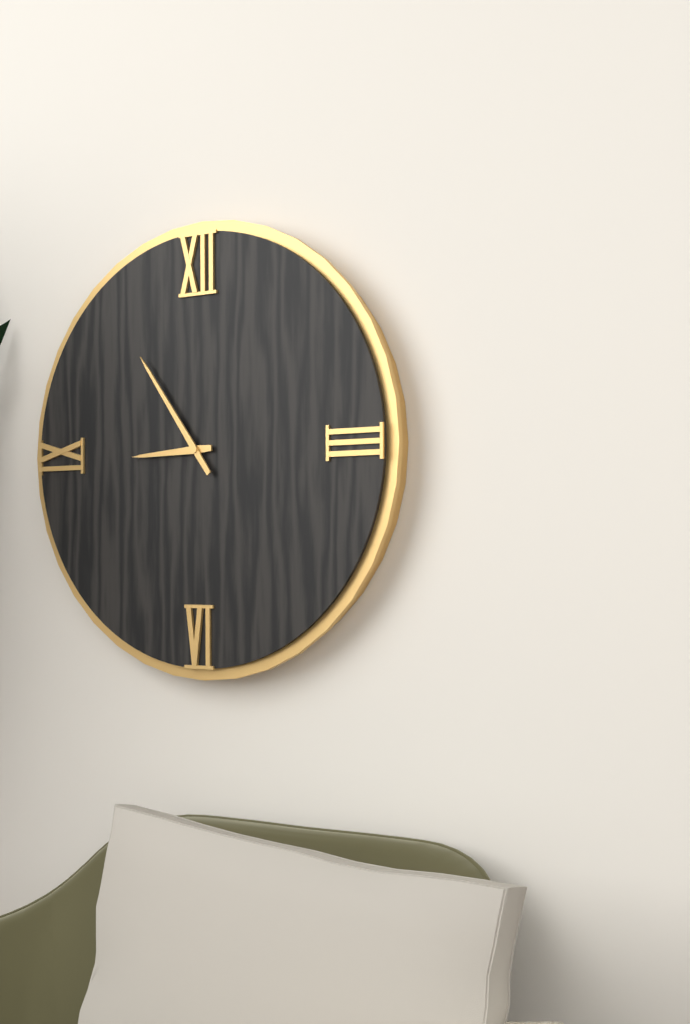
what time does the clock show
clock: 8:54
